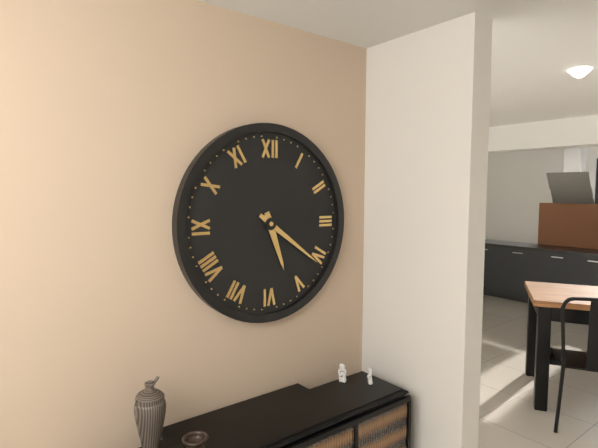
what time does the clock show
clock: 5:21
